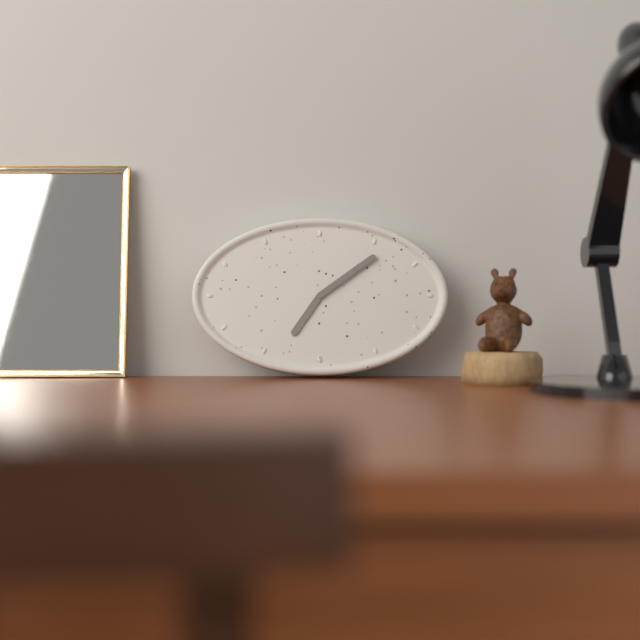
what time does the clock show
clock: 7:09
